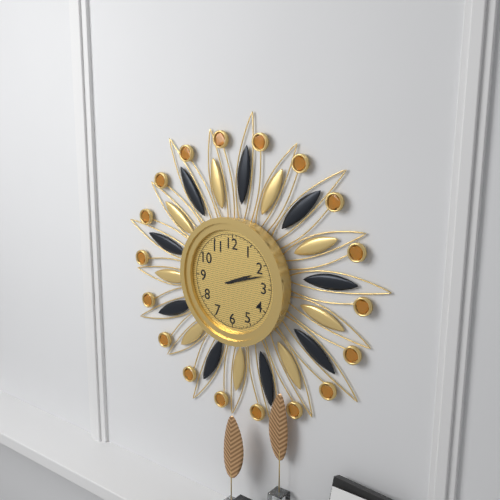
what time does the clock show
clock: 2:12
